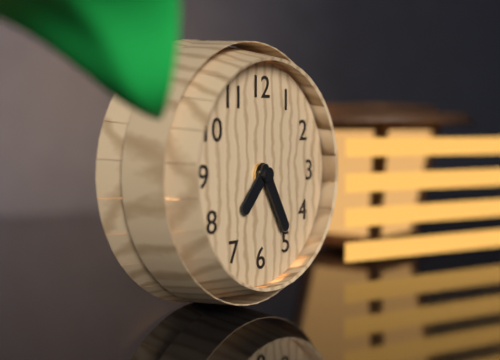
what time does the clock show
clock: 7:25
